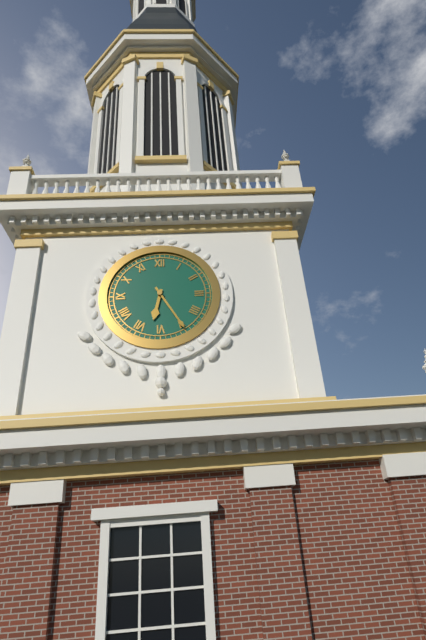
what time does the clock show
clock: 6:25
